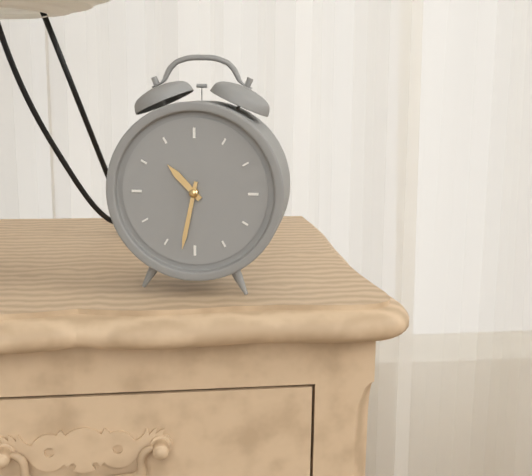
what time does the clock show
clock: 10:32
